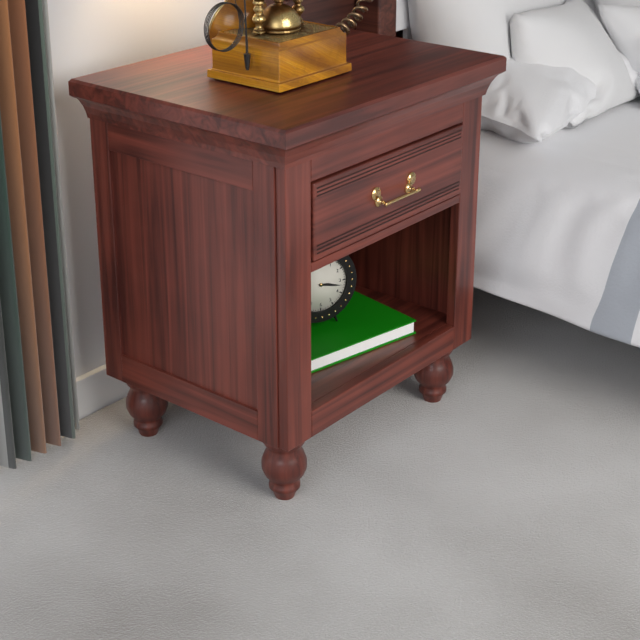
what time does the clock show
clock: 3:17
